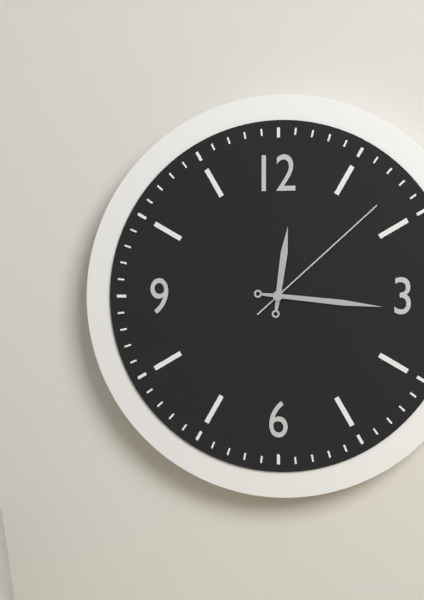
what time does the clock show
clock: 12:16:08
